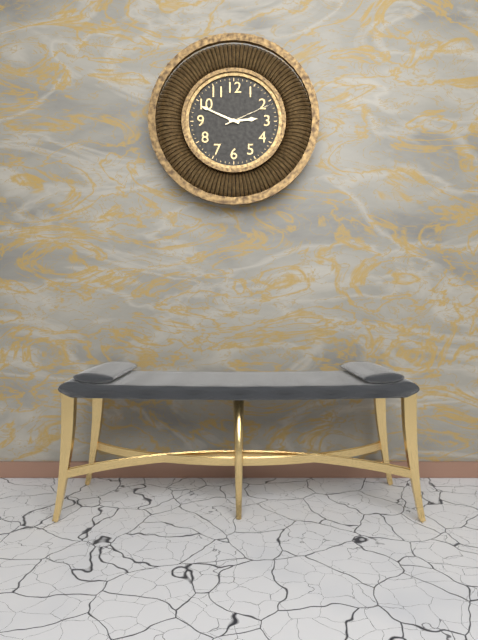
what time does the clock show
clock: 2:49
